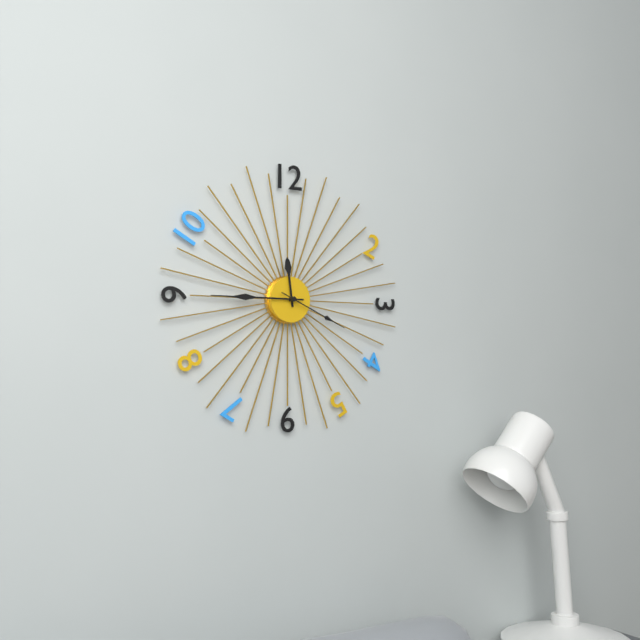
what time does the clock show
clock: 11:45:19
